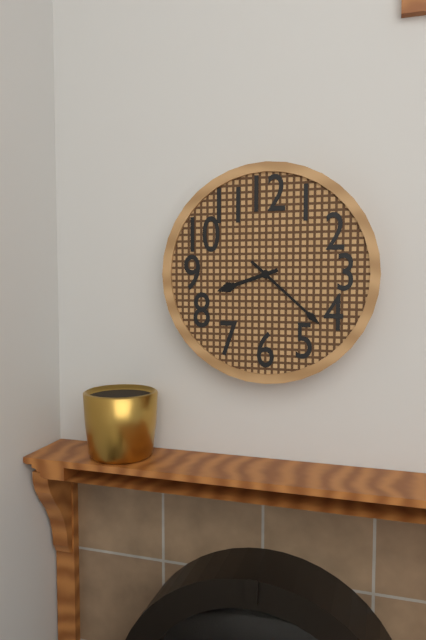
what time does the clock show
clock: 8:22
